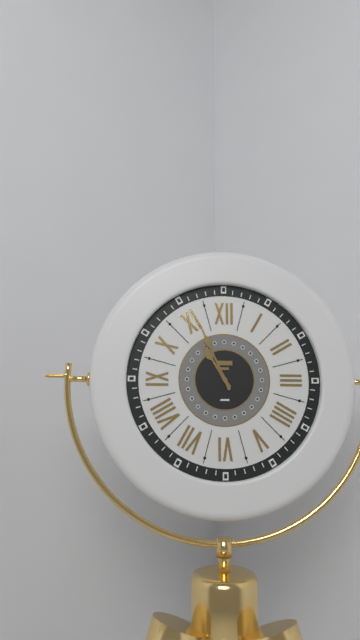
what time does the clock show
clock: 10:56
